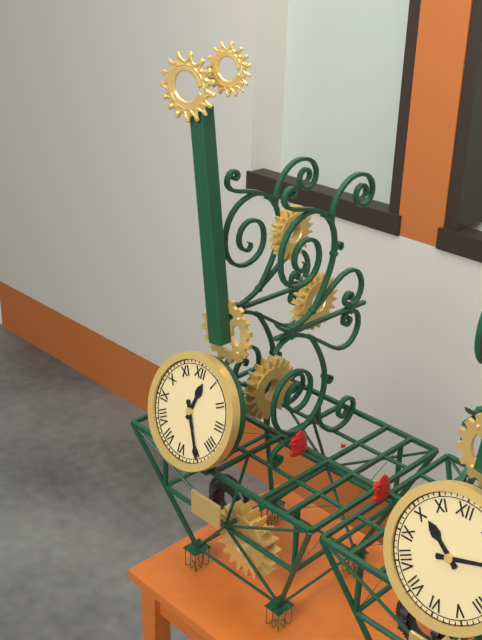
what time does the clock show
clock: 12:25
